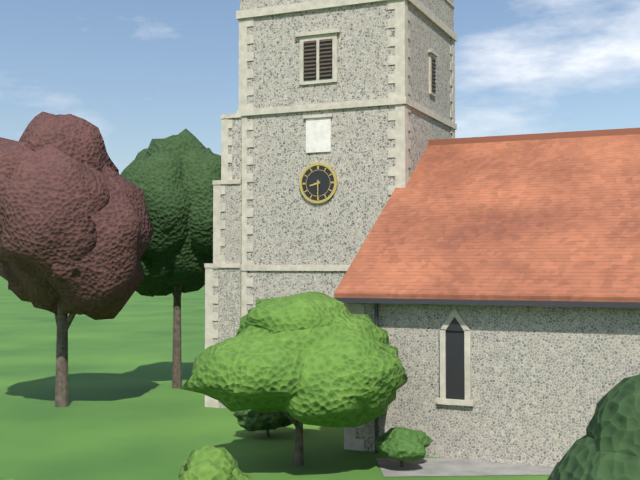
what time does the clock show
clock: 8:30
